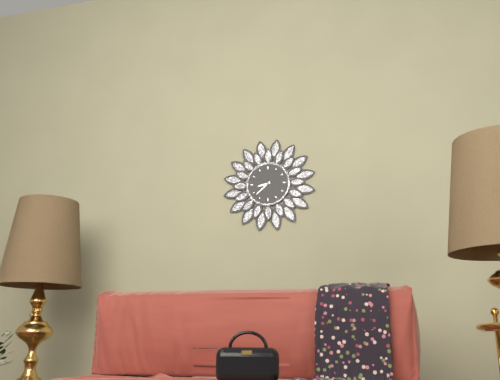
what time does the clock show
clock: 8:38
